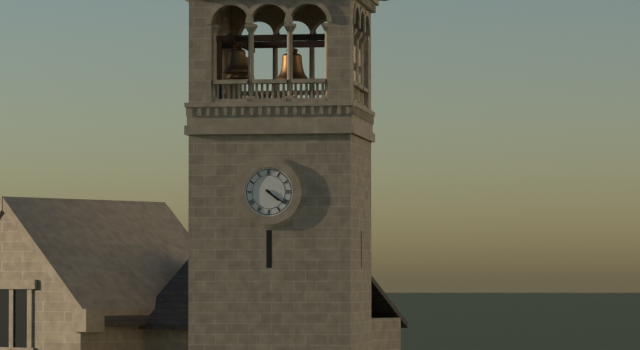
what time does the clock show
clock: 4:21
